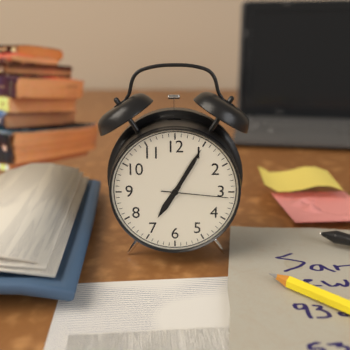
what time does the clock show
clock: 7:05:16
